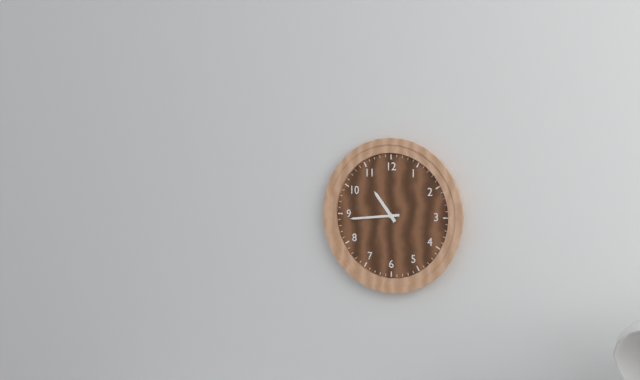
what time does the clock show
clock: 10:44
